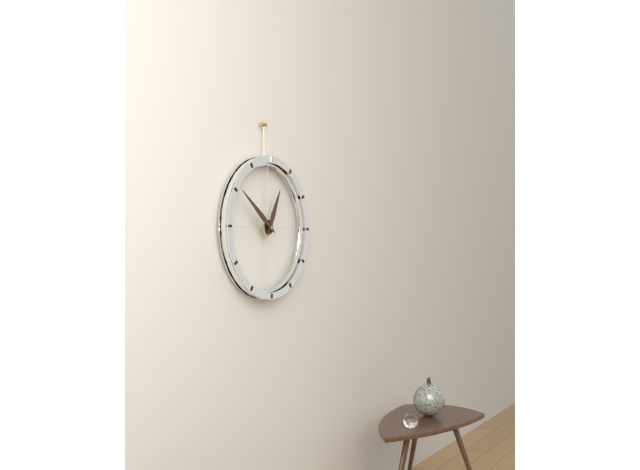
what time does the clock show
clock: 12:51
